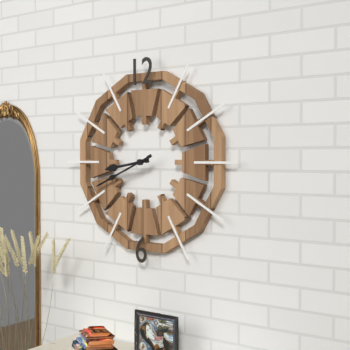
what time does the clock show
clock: 8:41
